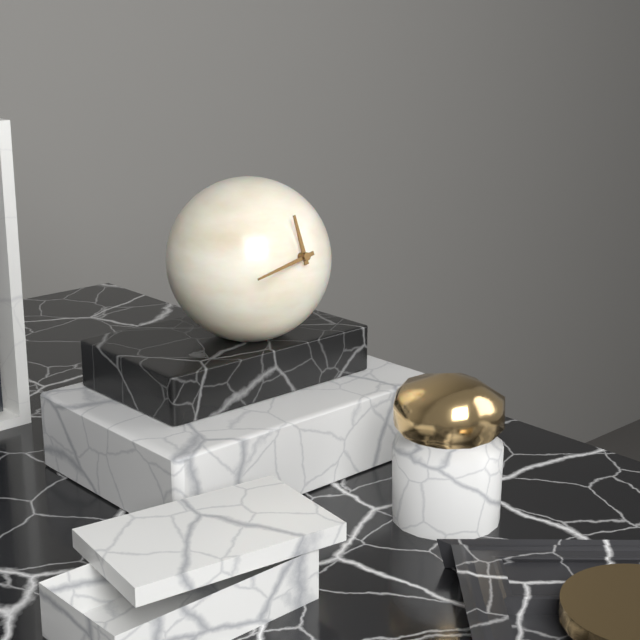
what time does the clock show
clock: 11:43
